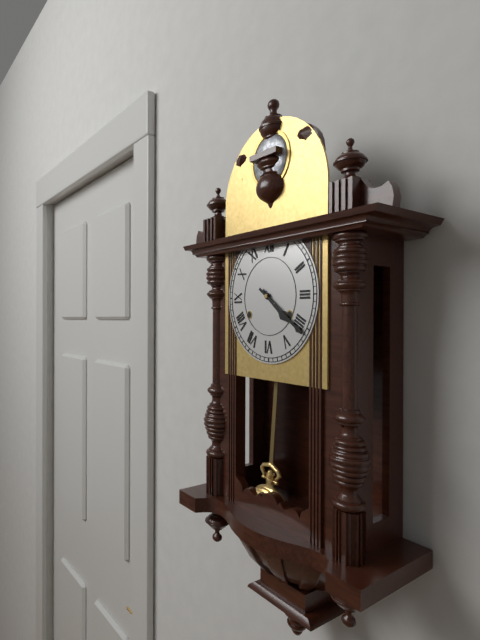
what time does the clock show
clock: 4:21
